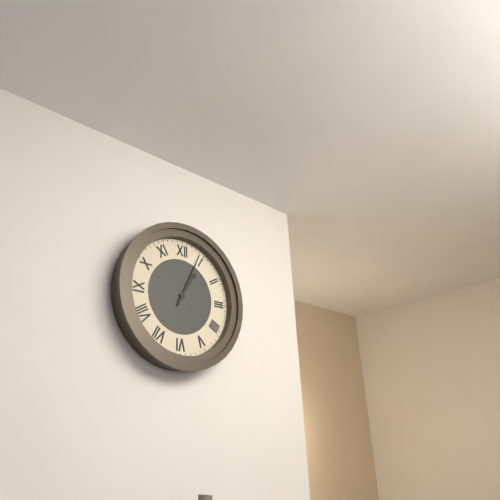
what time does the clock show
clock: 1:04
